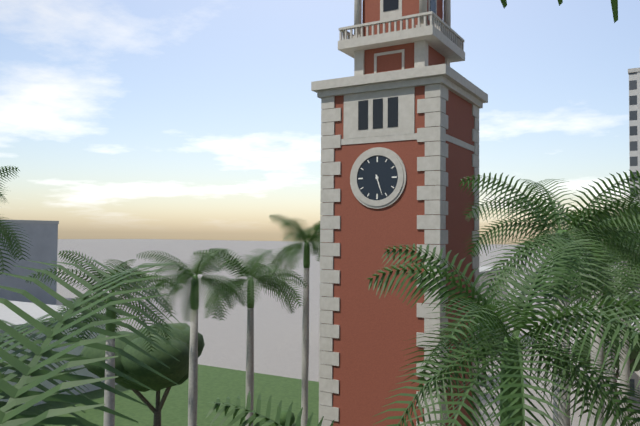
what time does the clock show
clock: 5:27
